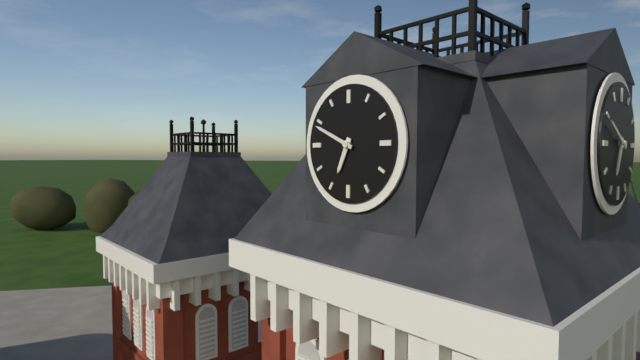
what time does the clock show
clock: 6:49
